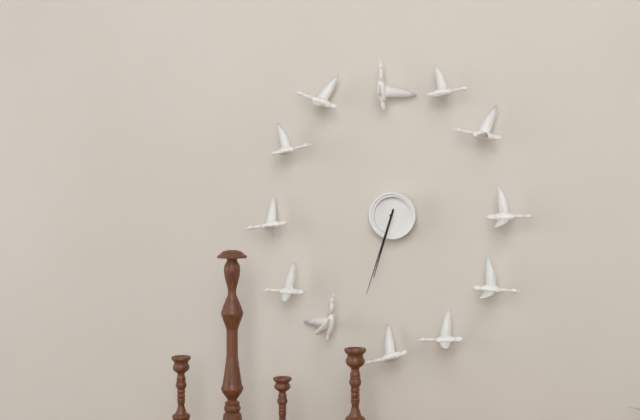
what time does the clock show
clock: 6:33
